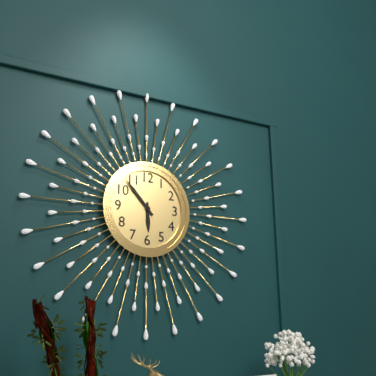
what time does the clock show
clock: 5:53
